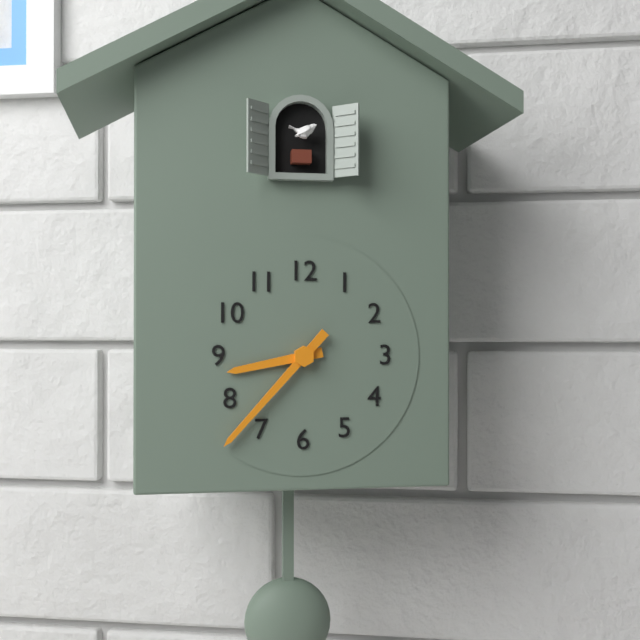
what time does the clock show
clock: 8:37
